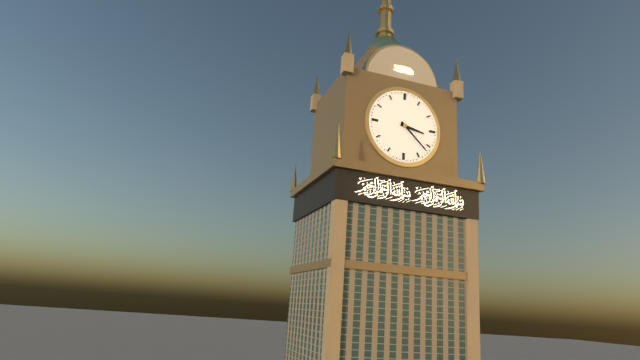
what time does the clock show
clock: 3:22
